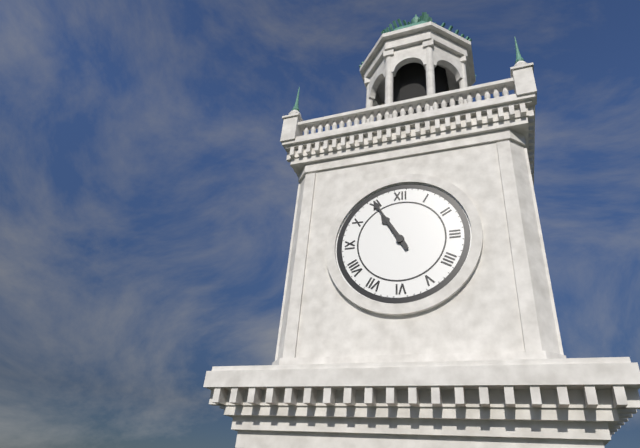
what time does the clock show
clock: 10:55
